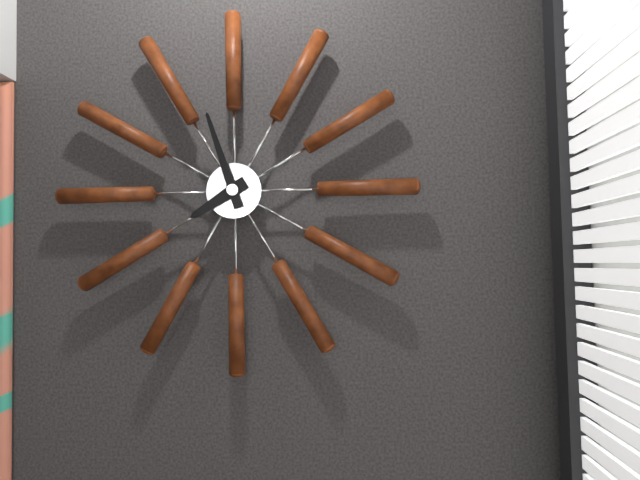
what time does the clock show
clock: 7:57
